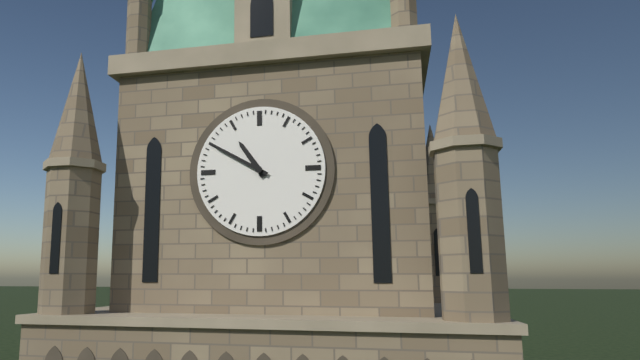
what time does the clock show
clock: 10:50
